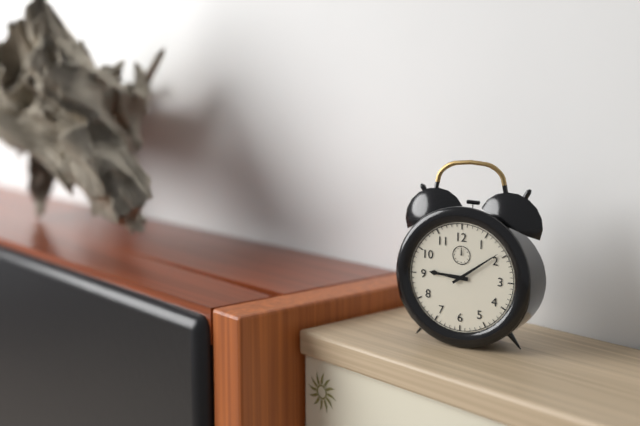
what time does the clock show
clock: 9:09
